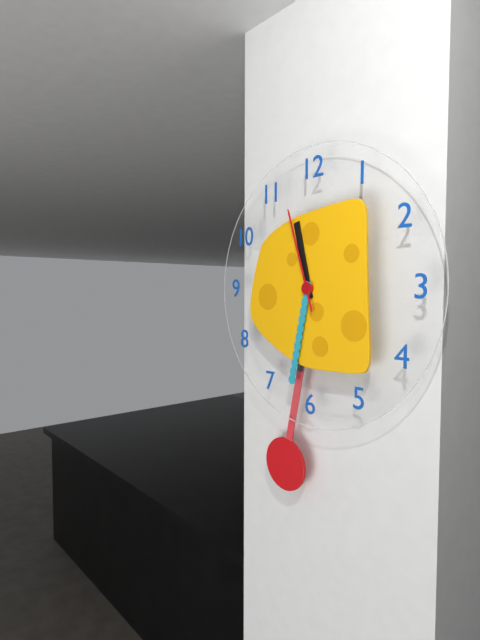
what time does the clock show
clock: 11:32:57
